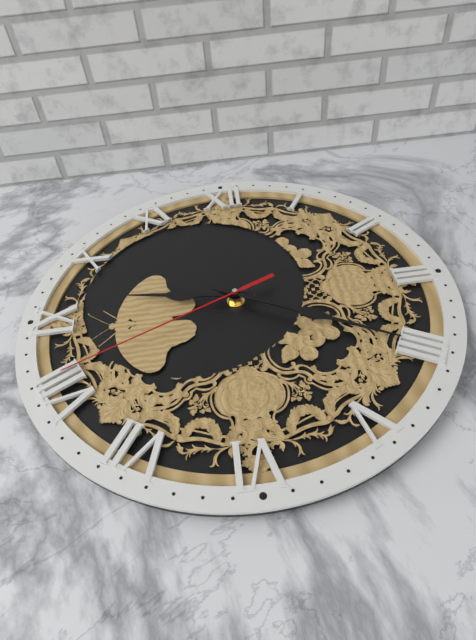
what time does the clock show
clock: 9:20:41
